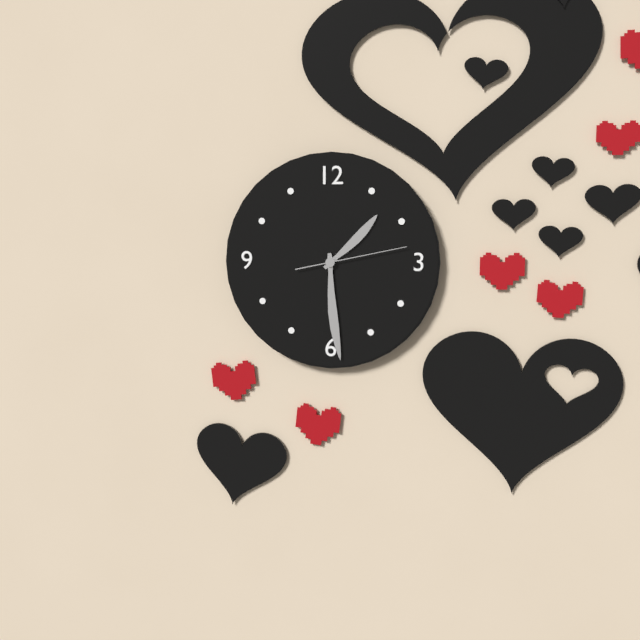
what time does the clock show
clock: 1:29:13
